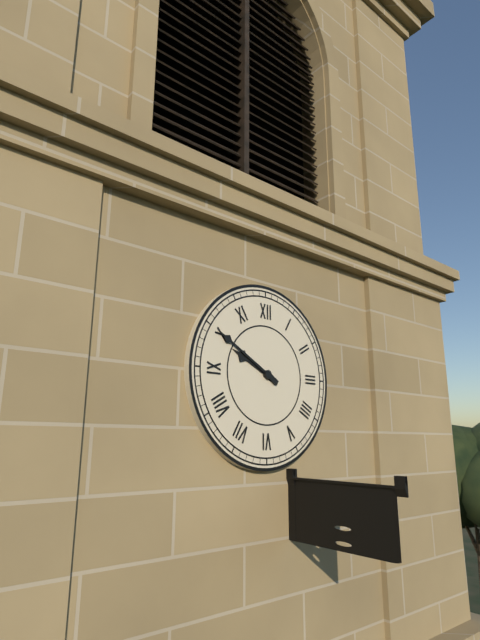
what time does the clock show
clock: 9:50
